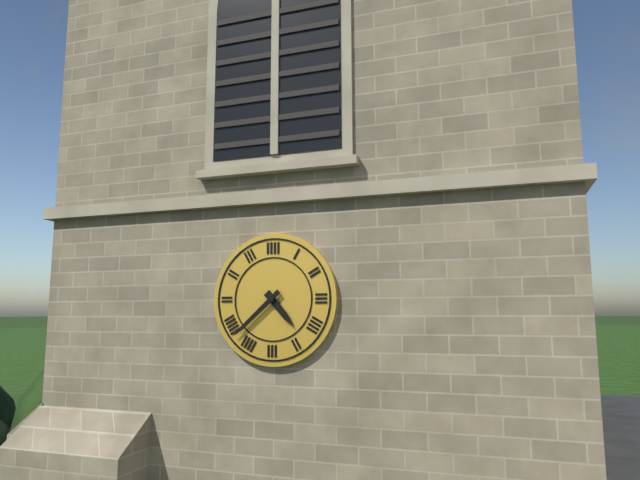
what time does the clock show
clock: 4:38
